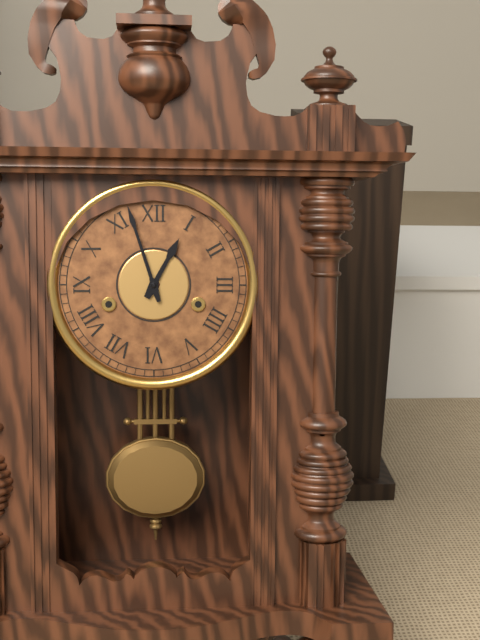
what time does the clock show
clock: 12:57
